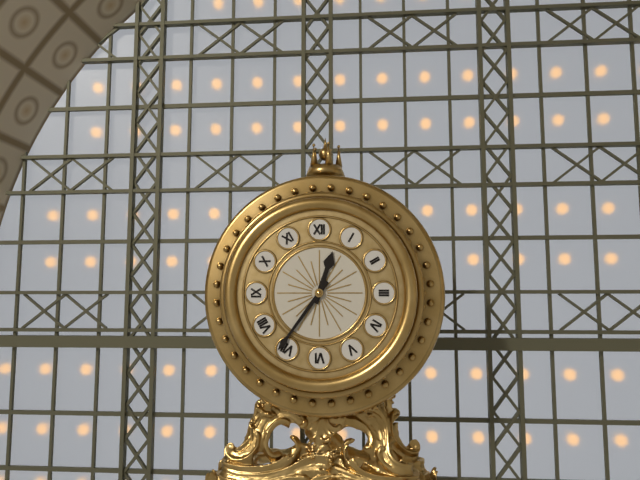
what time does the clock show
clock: 12:36
